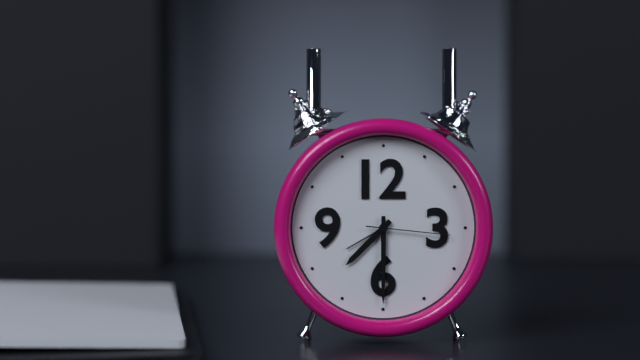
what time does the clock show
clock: 7:30:16
